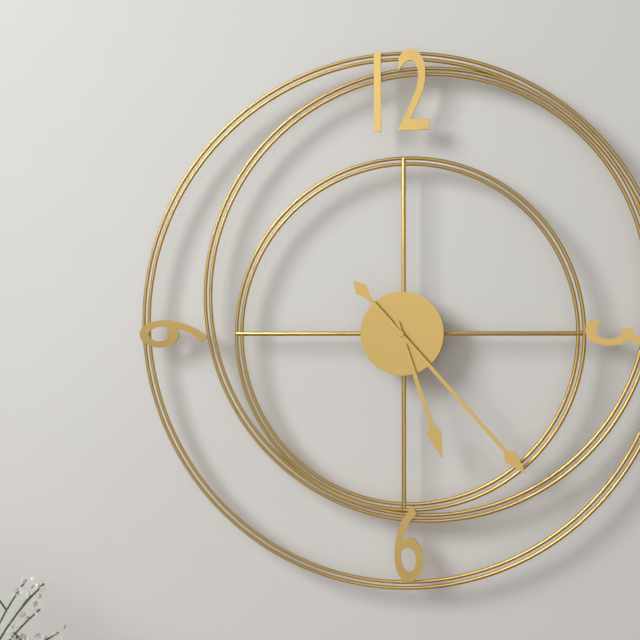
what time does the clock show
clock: 5:23
